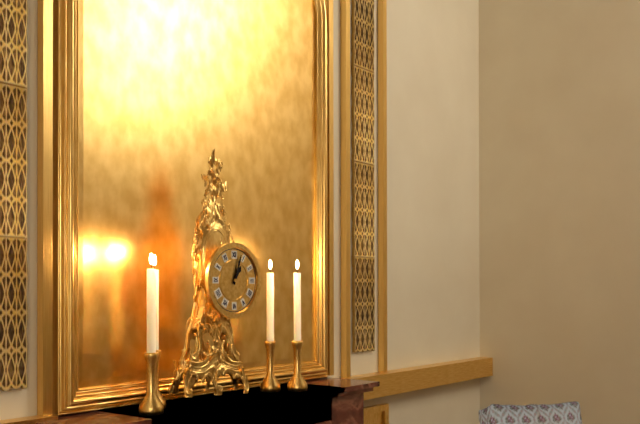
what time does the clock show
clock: 1:03
